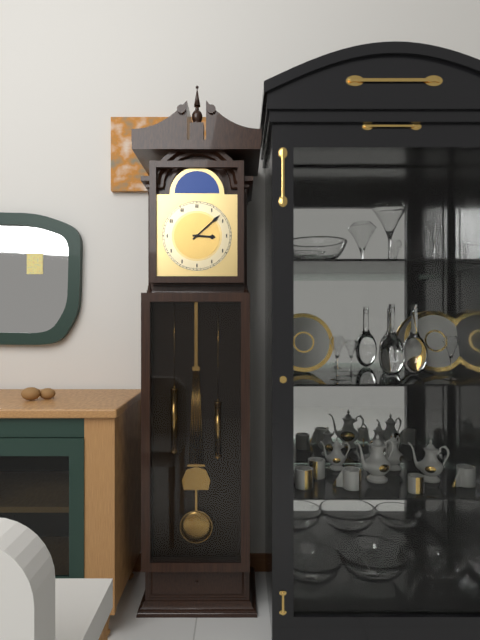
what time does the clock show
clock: 3:08
